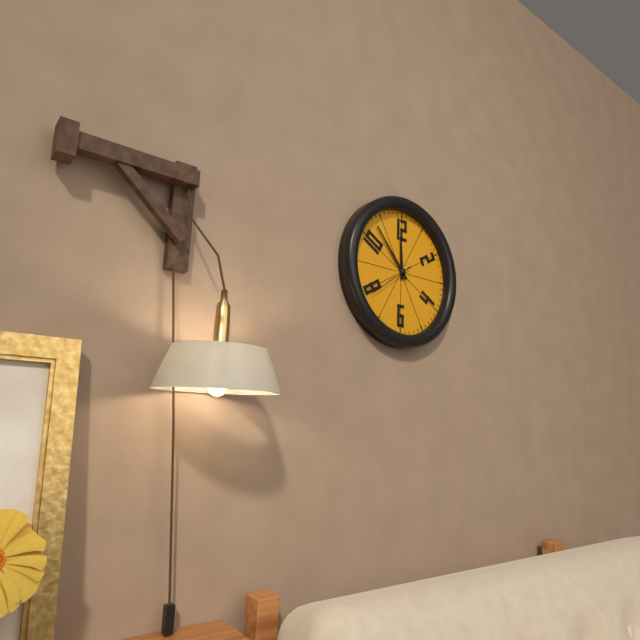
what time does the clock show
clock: 11:53
